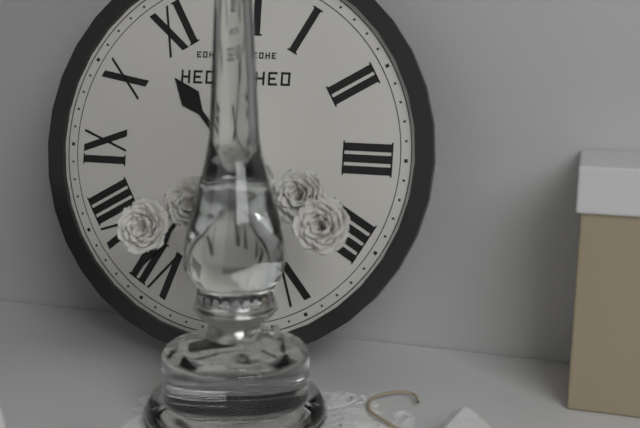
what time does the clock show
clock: 10:36
